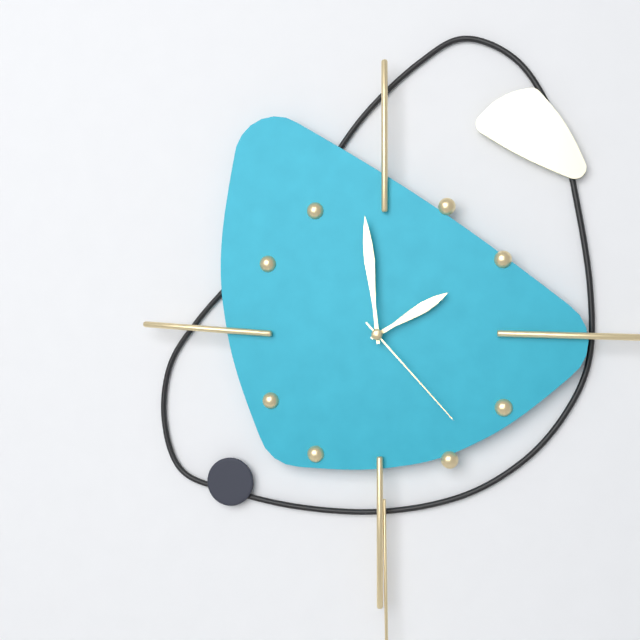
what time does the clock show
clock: 1:59:23
